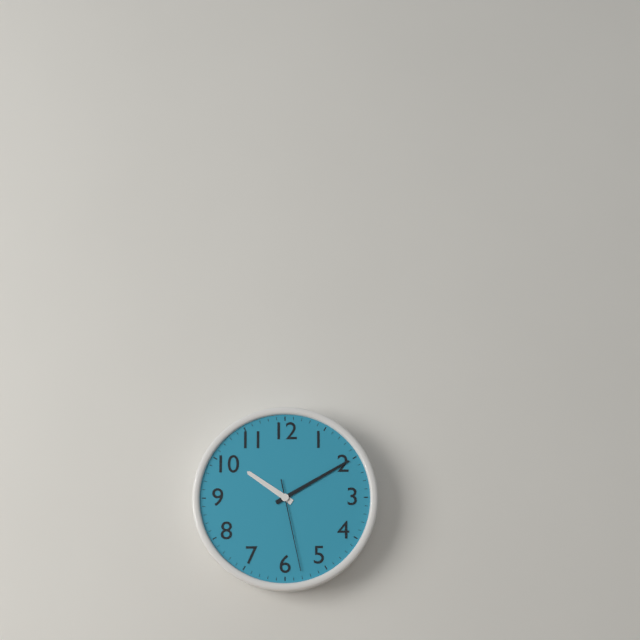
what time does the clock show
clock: 10:10:28
